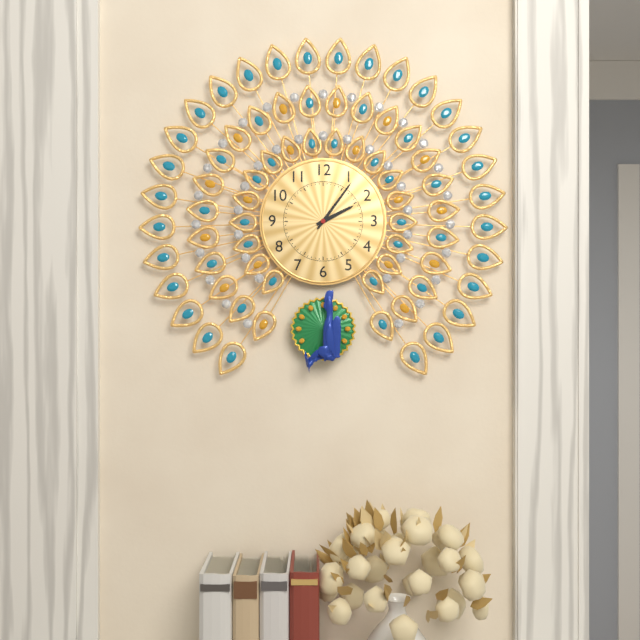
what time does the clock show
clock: 2:06
